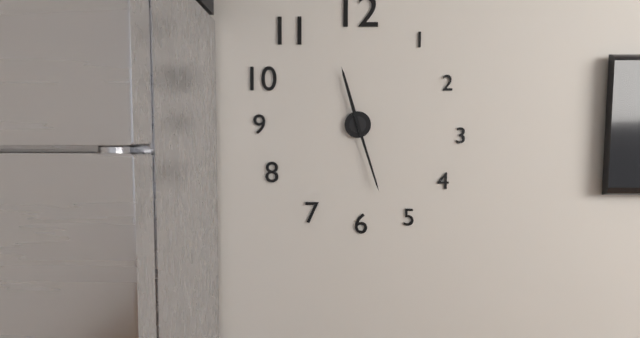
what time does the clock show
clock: 11:27
